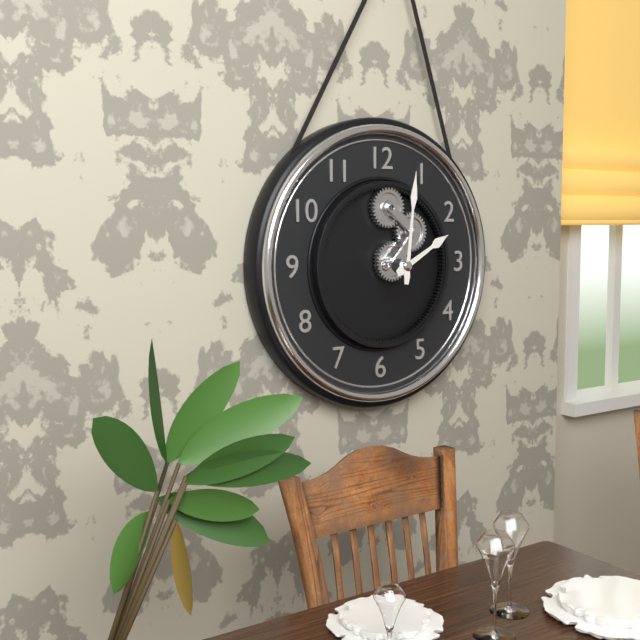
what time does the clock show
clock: 2:01
